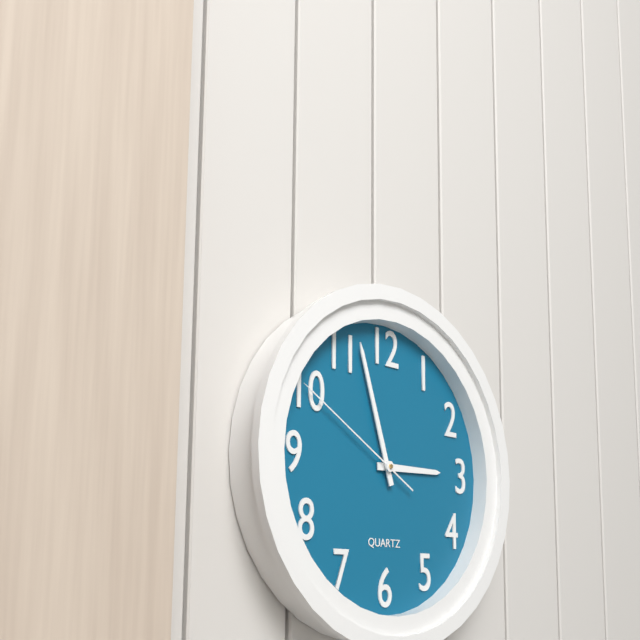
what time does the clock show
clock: 2:57:50
